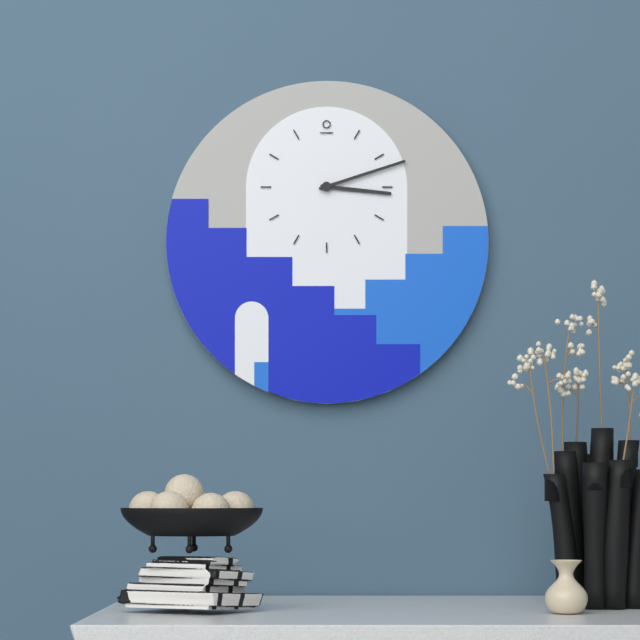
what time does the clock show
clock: 3:12
